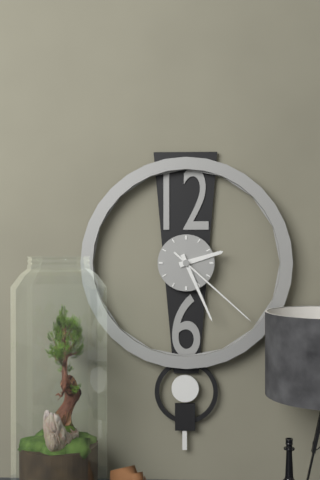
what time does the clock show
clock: 2:26:22
